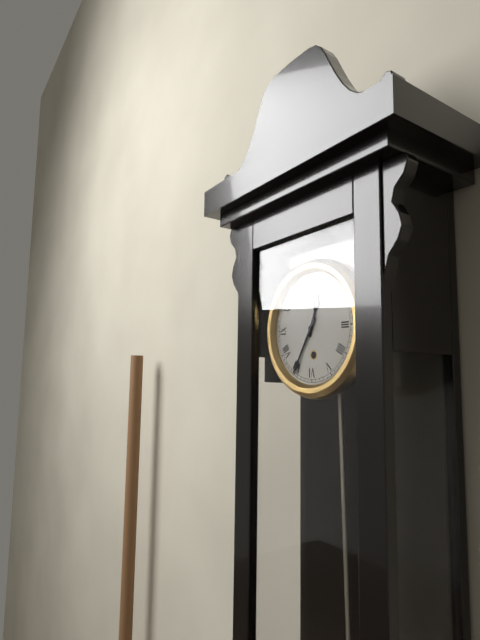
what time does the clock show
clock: 12:35
